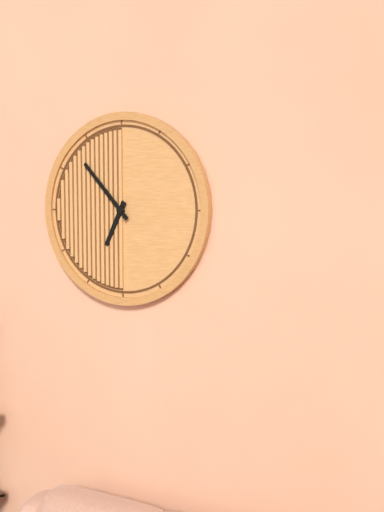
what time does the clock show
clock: 6:53
